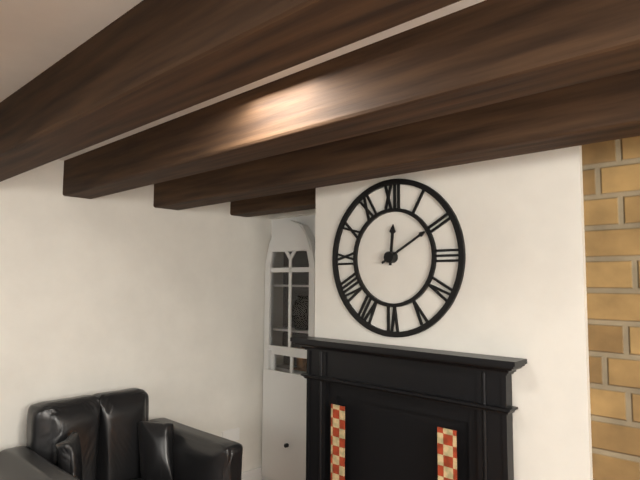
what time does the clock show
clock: 12:10
